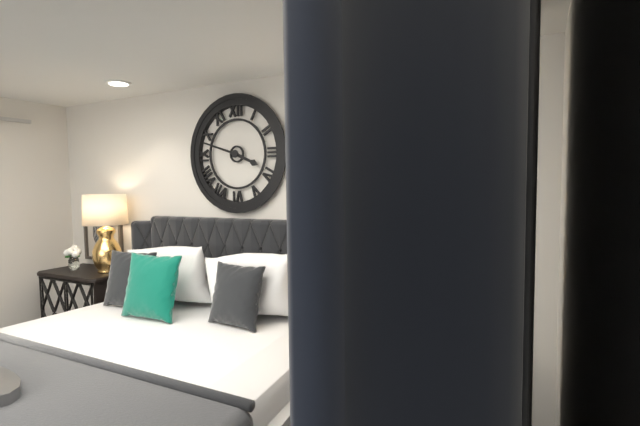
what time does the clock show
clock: 3:48
